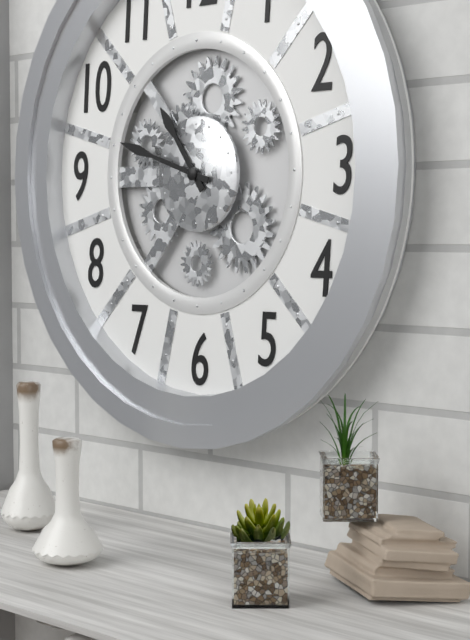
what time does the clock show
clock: 10:48
